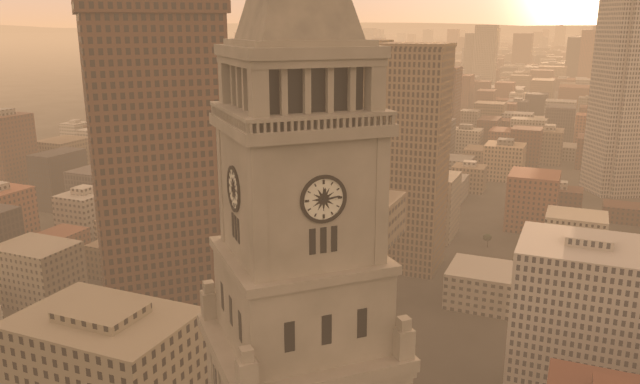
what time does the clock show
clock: 12:14
